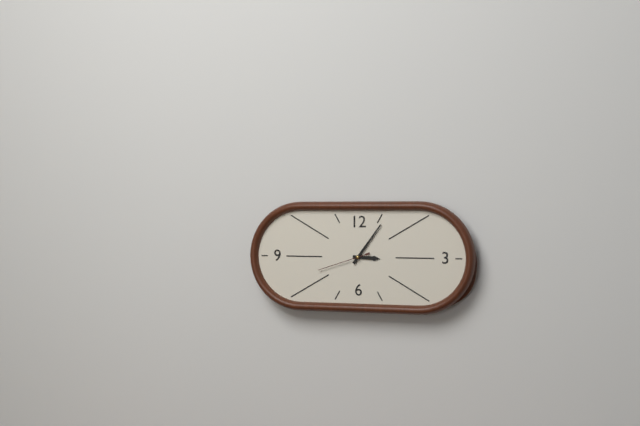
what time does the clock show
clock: 3:06:42
